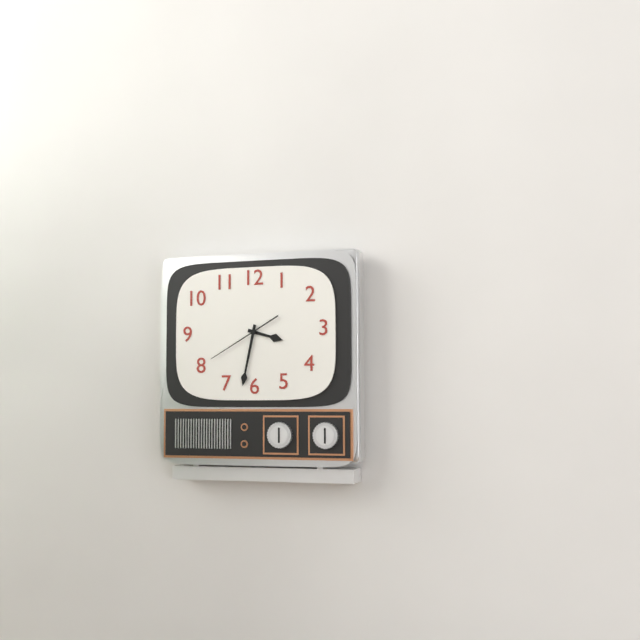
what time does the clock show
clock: 3:32:40
